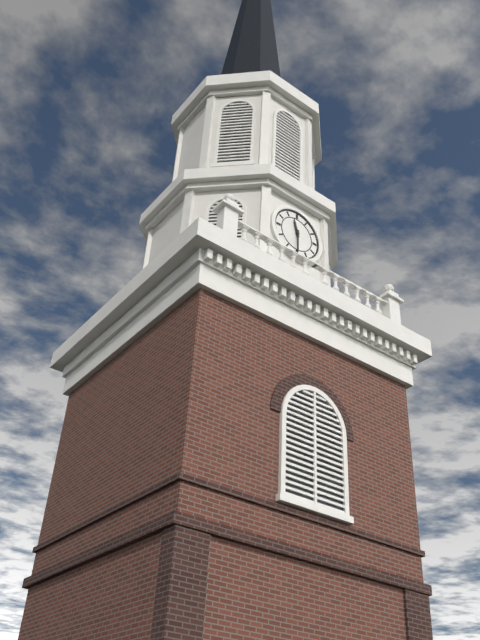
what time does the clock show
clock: 11:30
